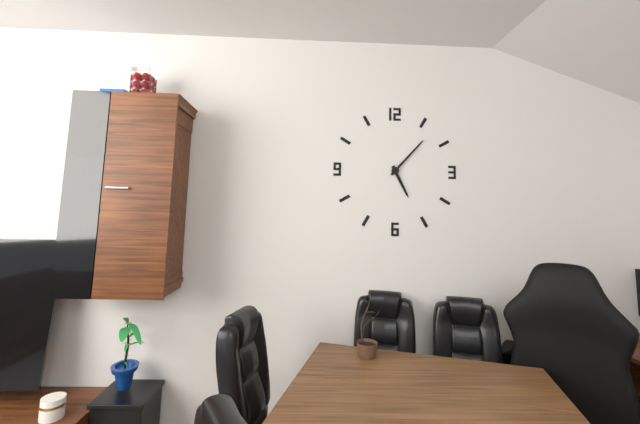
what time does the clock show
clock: 5:07
